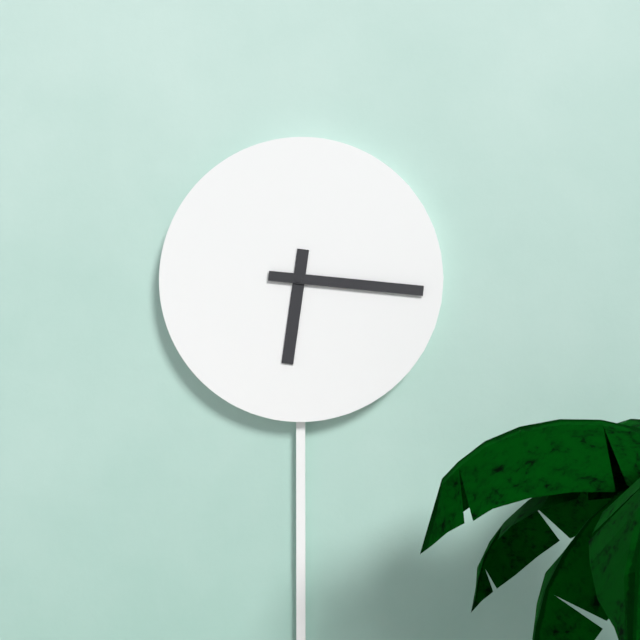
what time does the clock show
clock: 6:16
